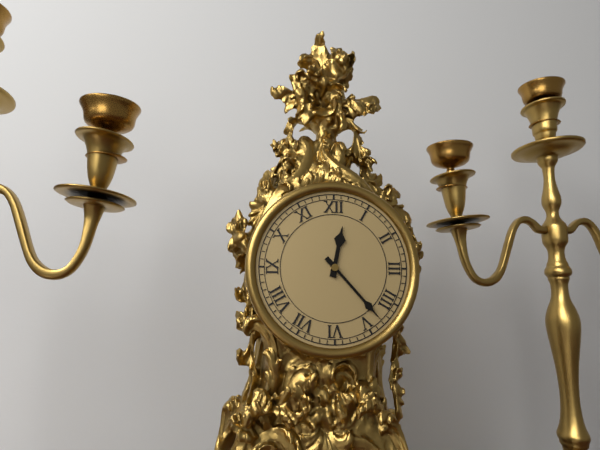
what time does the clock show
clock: 12:23
